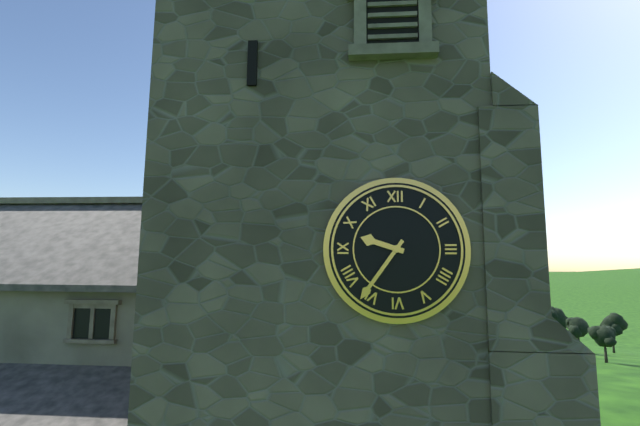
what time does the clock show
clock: 9:36
